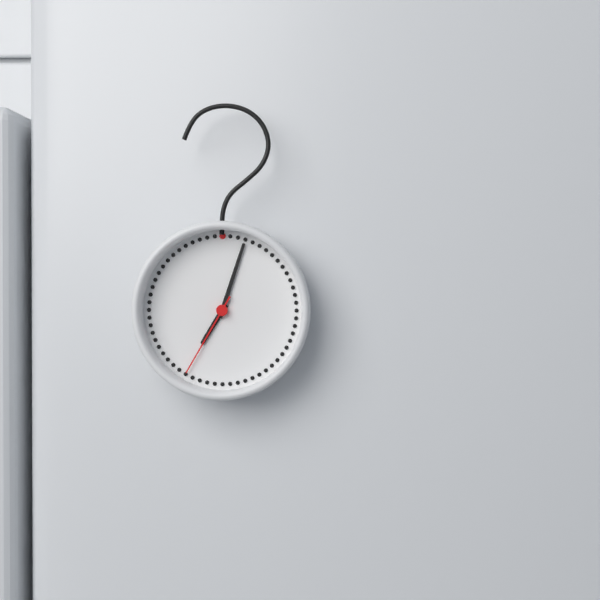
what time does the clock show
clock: 7:03:35
